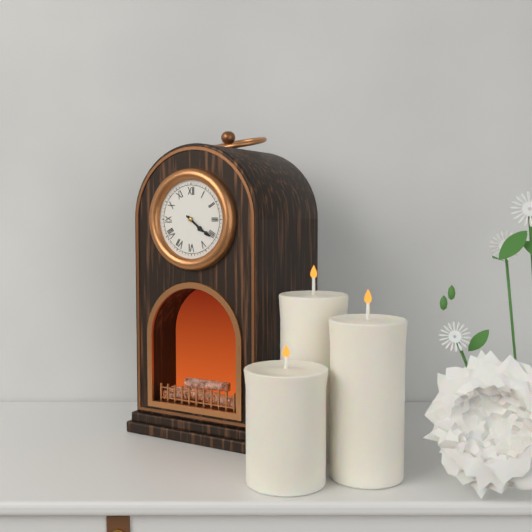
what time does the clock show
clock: 4:21
